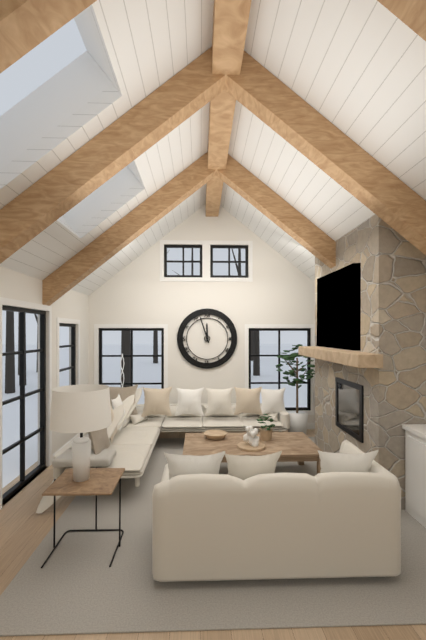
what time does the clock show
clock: 11:57
